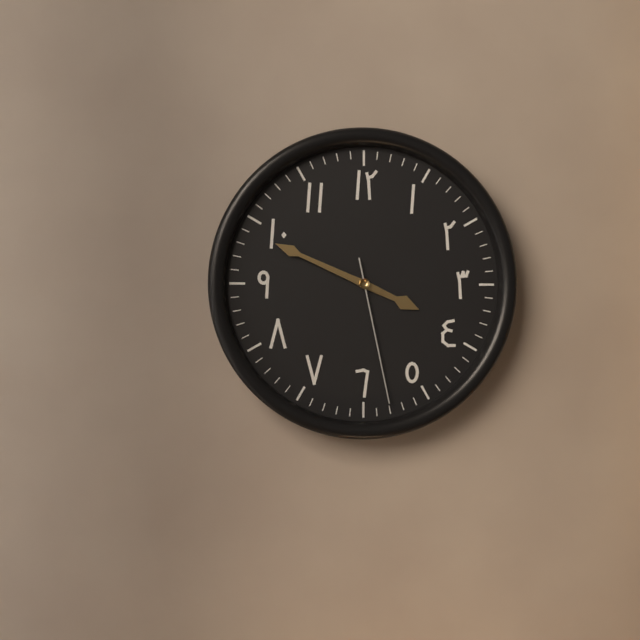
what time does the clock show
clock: 3:49:28
